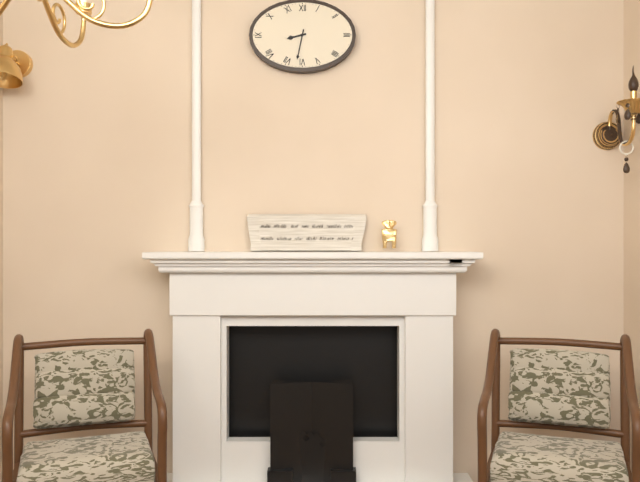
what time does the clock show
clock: 8:32
